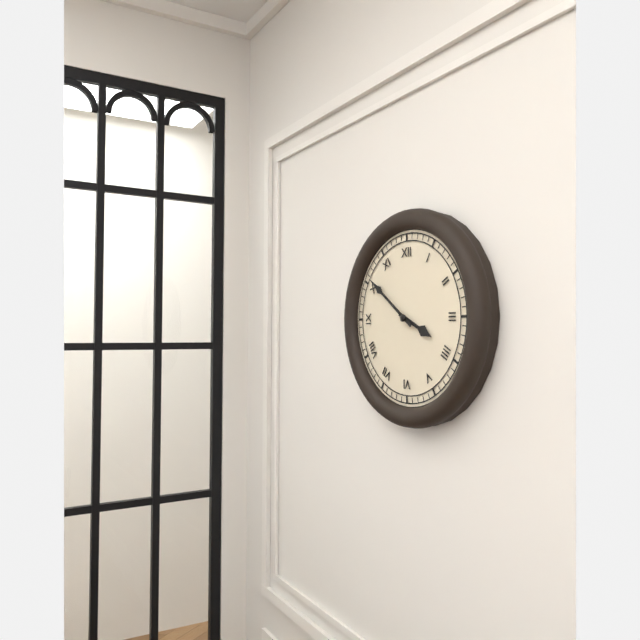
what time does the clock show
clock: 3:51
